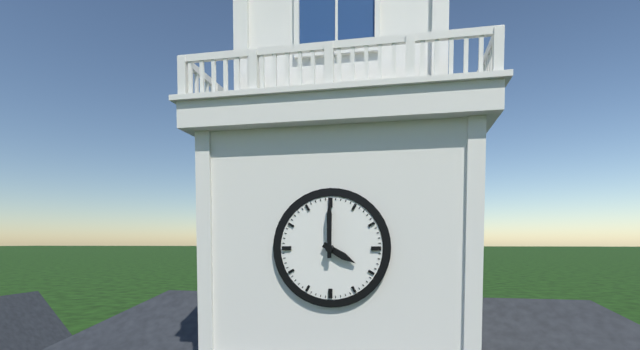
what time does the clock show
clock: 4:00
